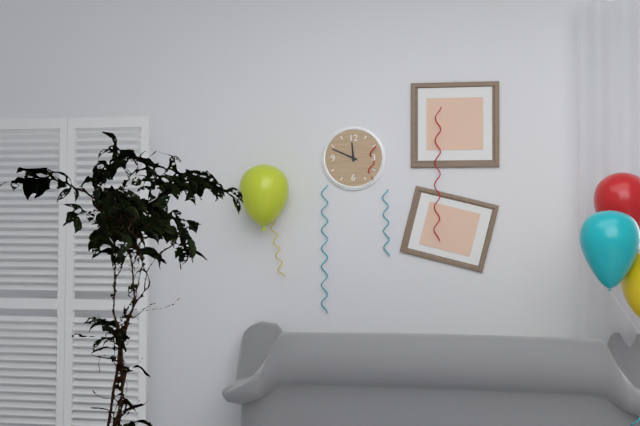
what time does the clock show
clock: 11:49
